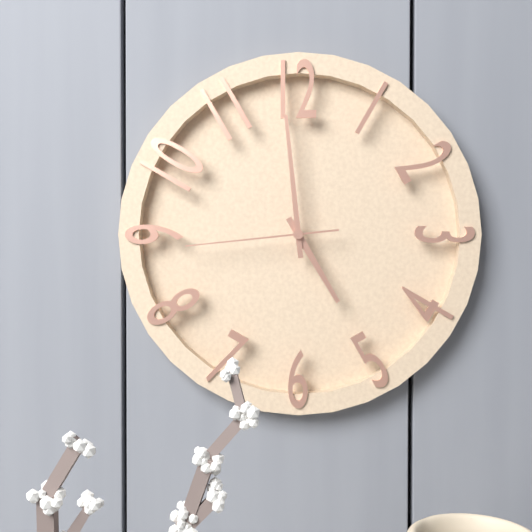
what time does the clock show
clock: 4:59:44
